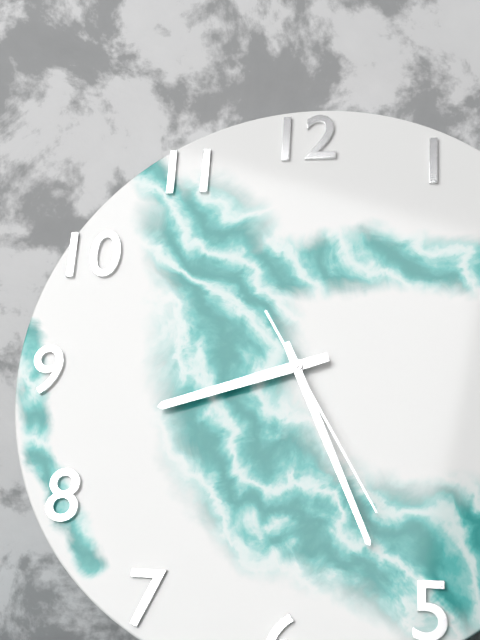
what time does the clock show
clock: 8:26:25
